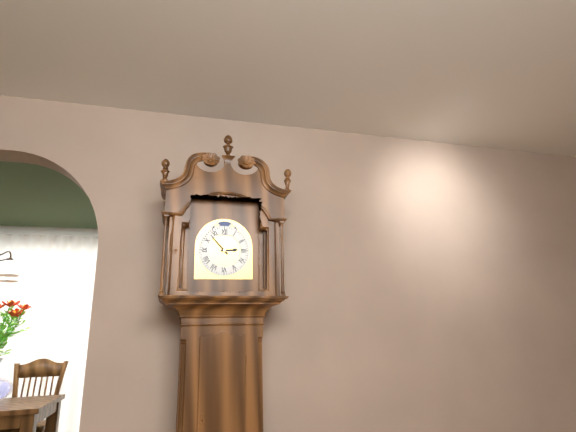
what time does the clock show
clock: 2:53
